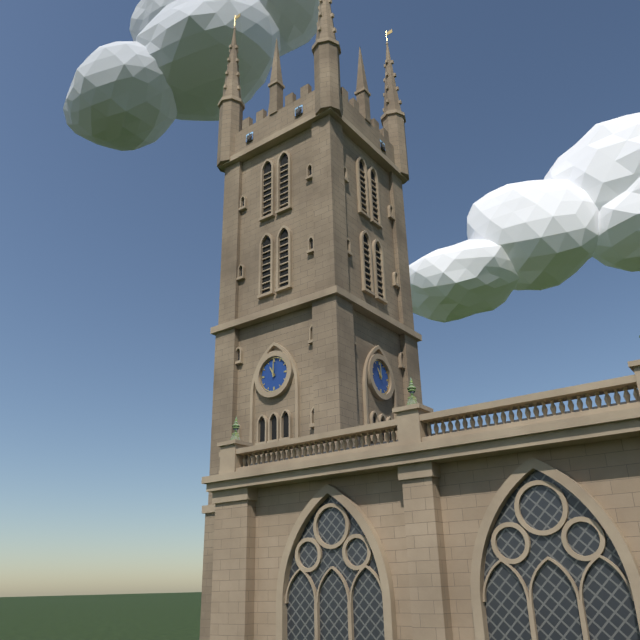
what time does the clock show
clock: 11:00
